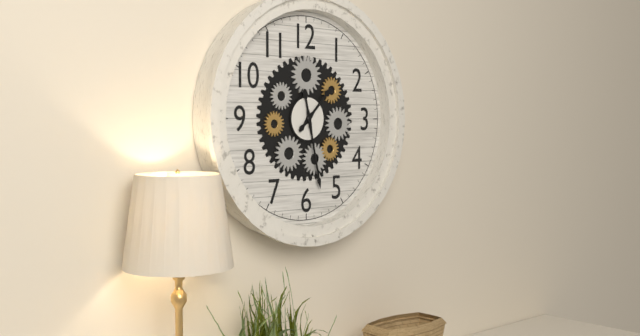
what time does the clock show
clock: 1:28
